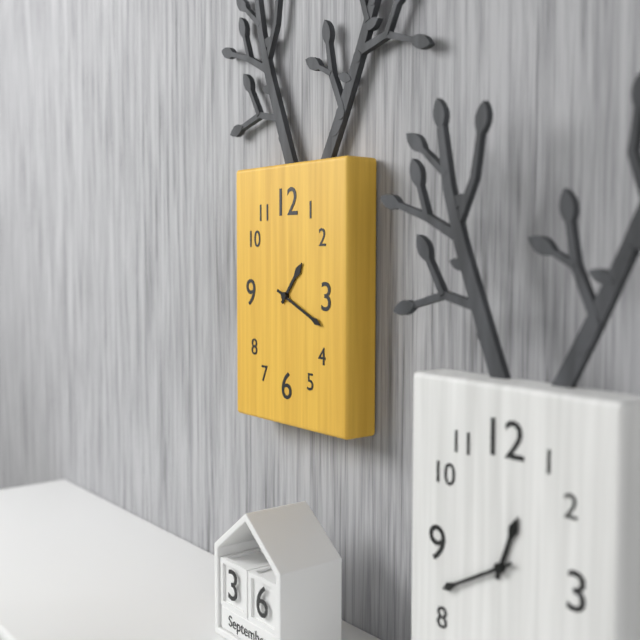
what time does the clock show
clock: 1:19
